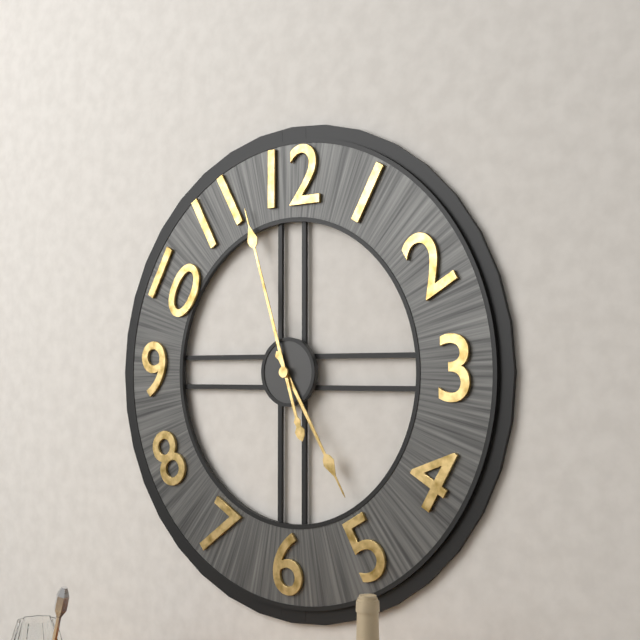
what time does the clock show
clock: 4:57
